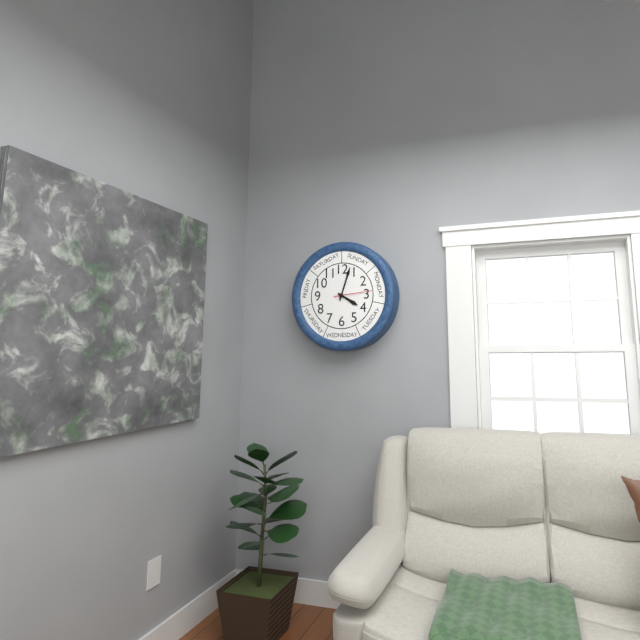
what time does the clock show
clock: 4:03
